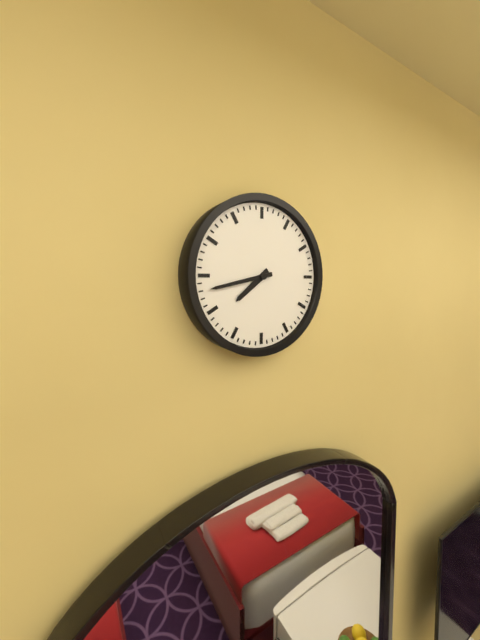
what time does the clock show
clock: 7:43
